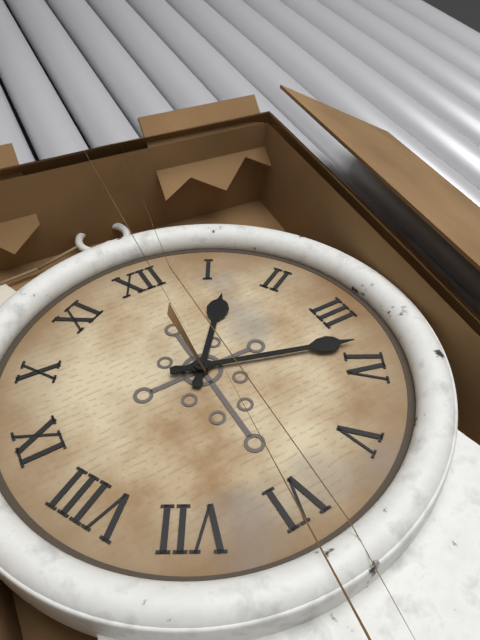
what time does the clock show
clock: 1:18
